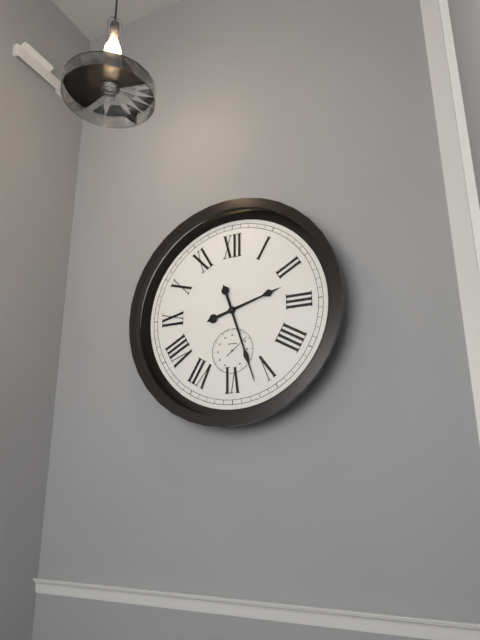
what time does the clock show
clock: 2:27
